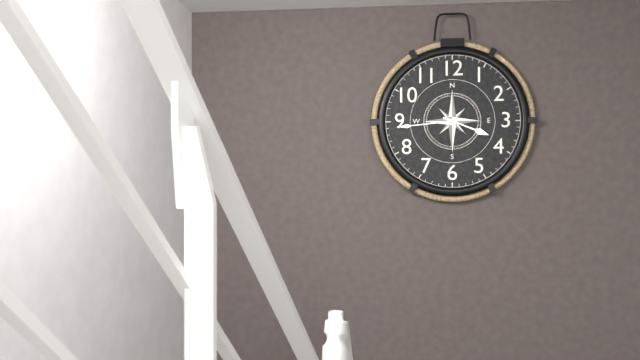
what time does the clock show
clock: 3:44
